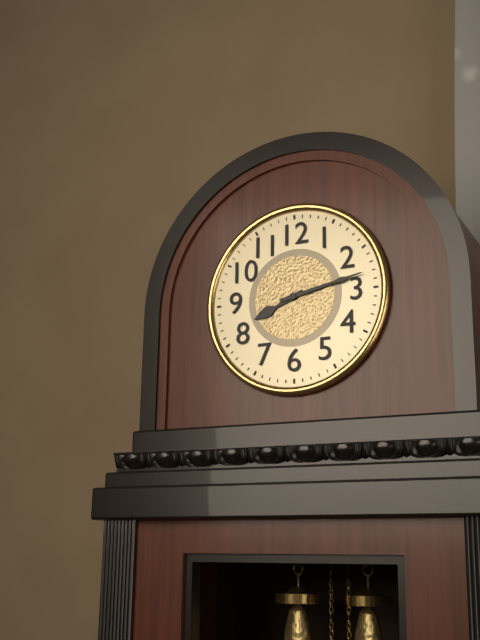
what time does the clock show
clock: 8:13
